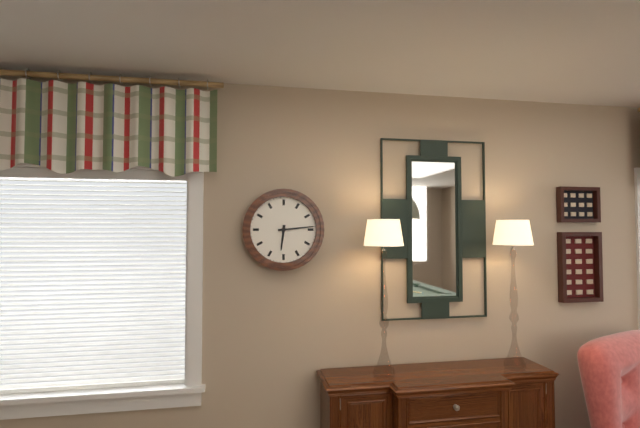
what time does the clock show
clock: 6:14
